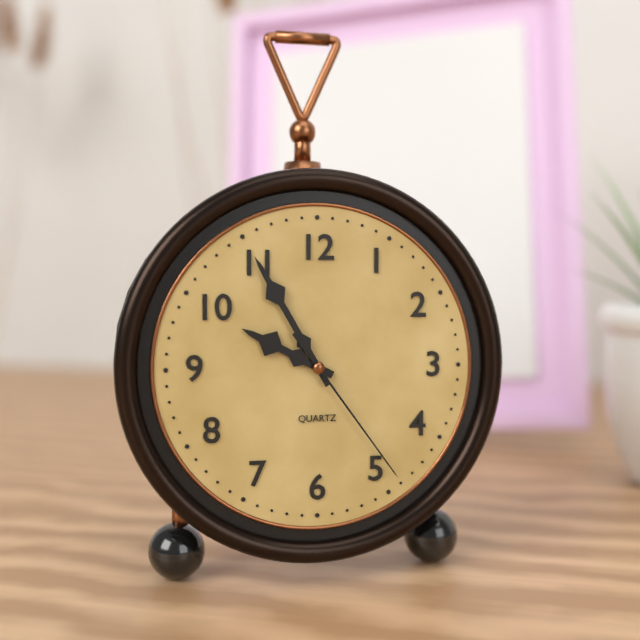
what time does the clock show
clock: 9:55:24
